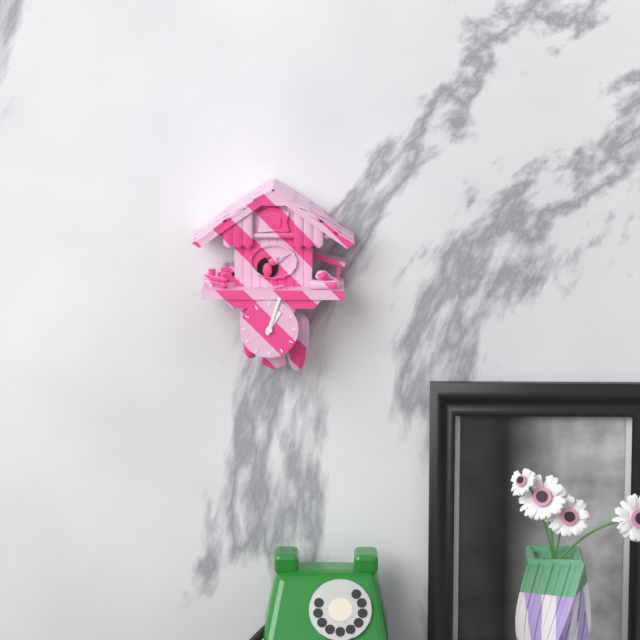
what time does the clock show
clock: 1:03
